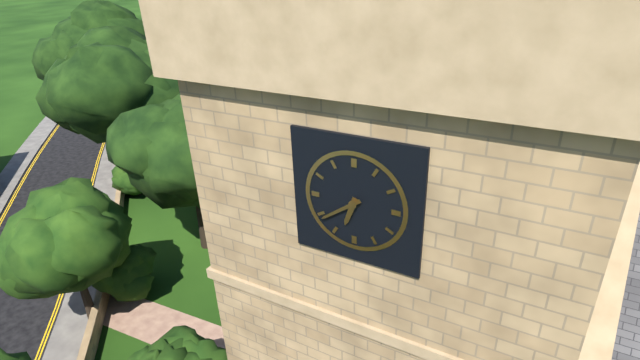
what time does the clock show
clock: 6:39
